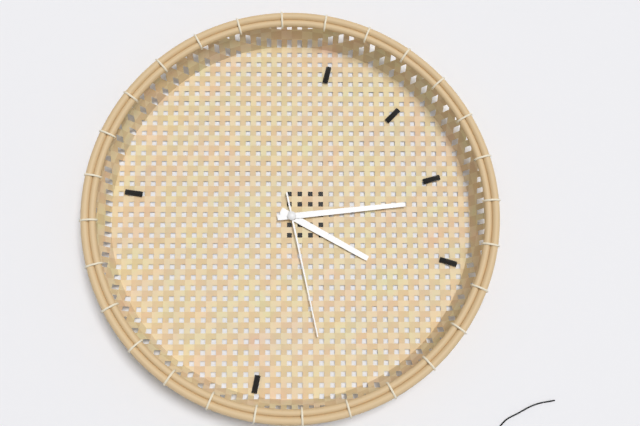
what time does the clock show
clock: 12:59:13
